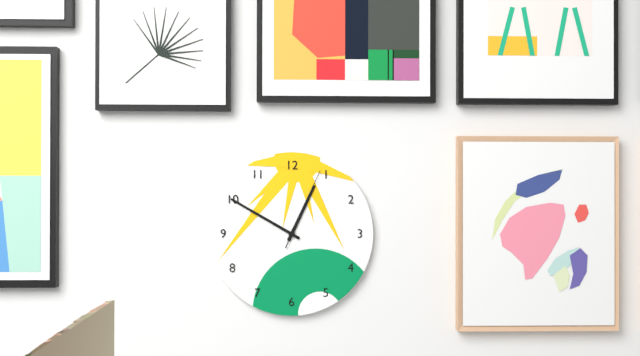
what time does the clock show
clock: 12:50:04
